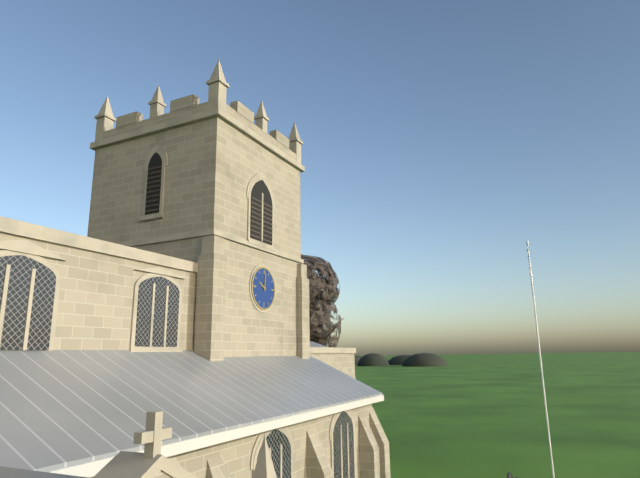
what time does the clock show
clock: 10:01
